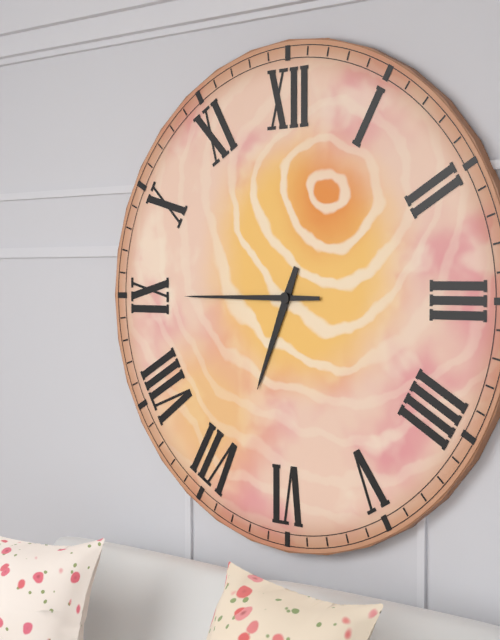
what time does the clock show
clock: 6:45
